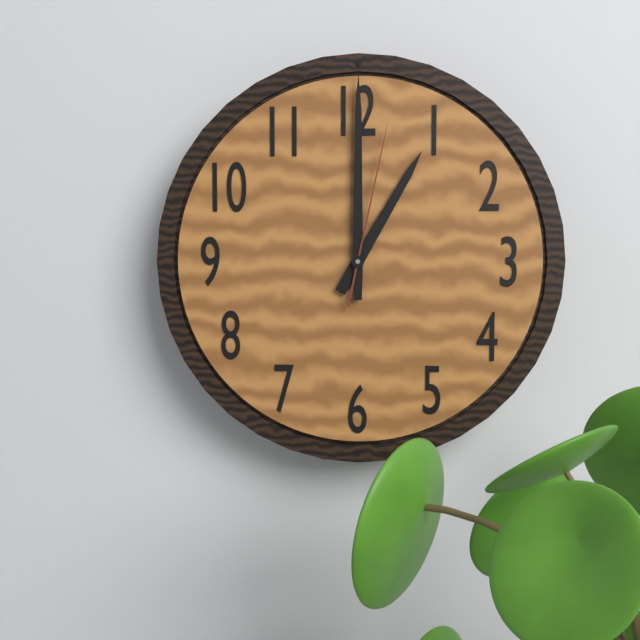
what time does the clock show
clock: 1:00:02
